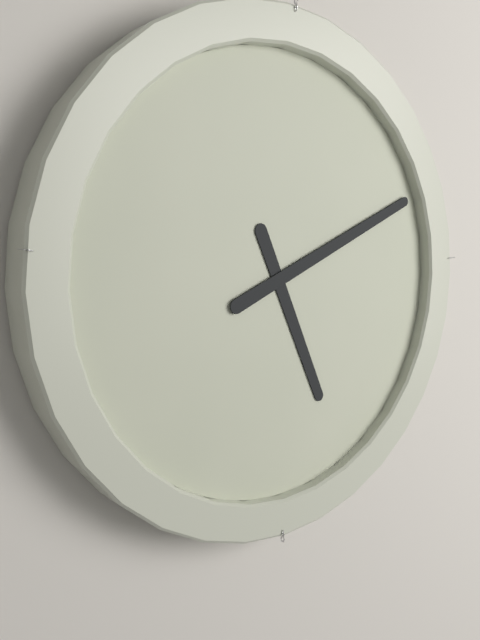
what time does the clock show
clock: 5:11
